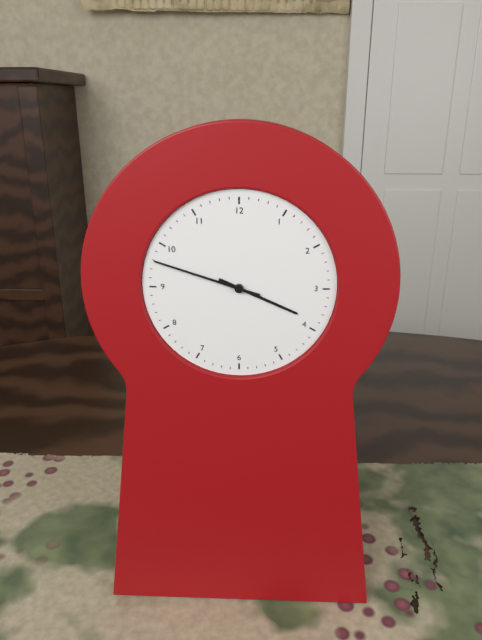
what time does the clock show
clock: 3:48
